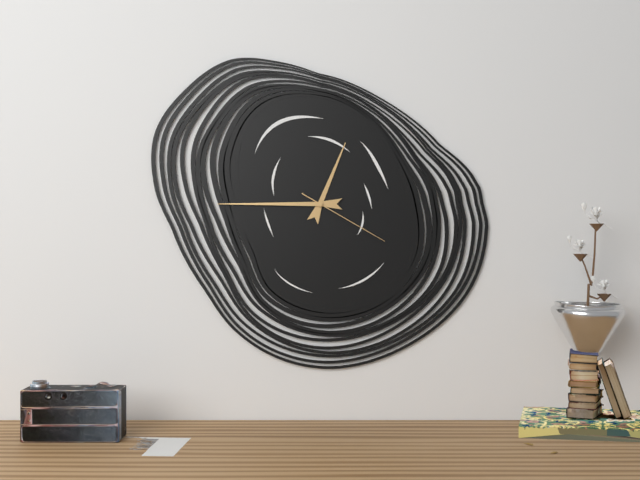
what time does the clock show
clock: 12:45:20
